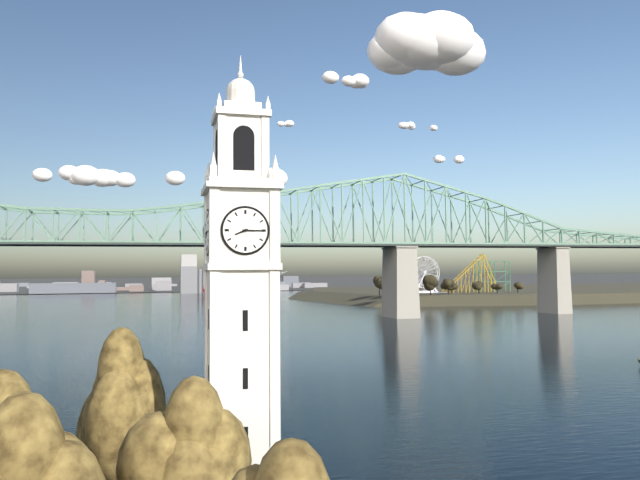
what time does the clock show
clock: 8:15
